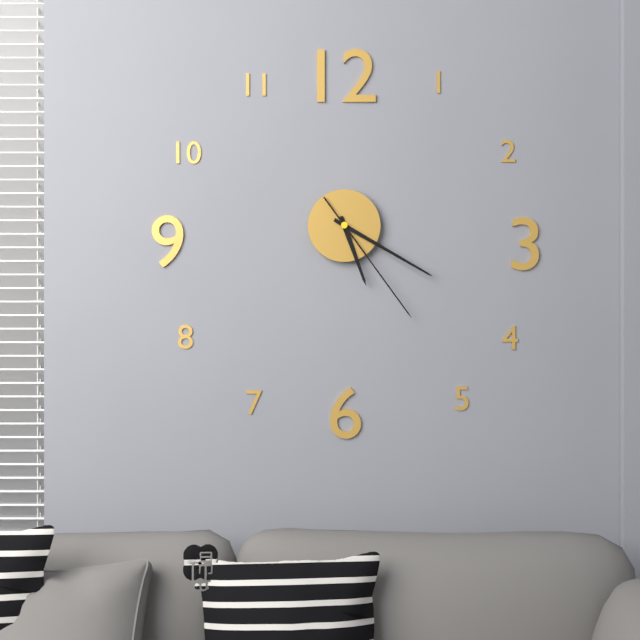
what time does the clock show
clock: 5:20:24
